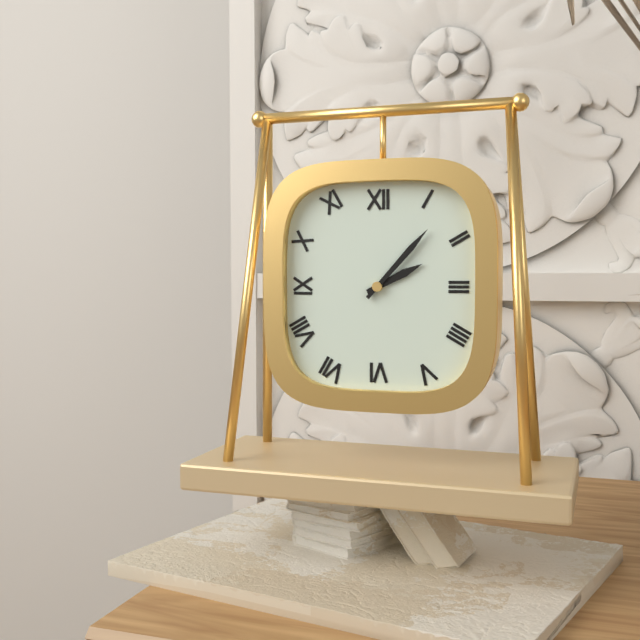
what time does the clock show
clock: 2:07
